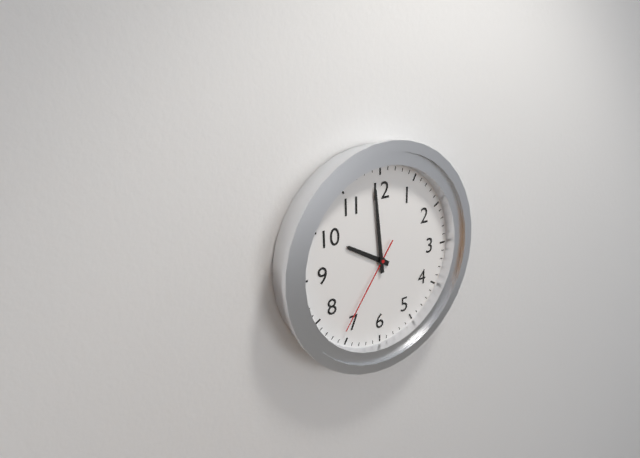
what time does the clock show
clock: 9:59:36
